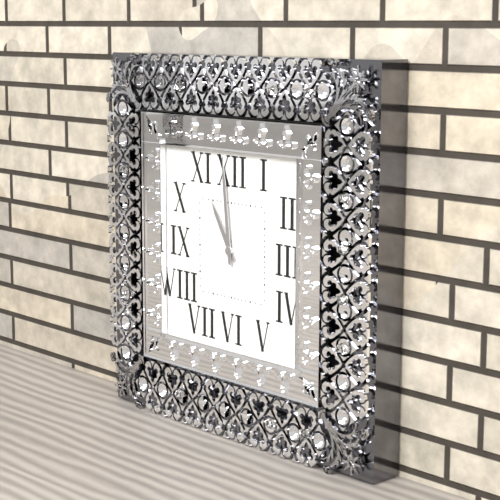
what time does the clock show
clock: 10:59
